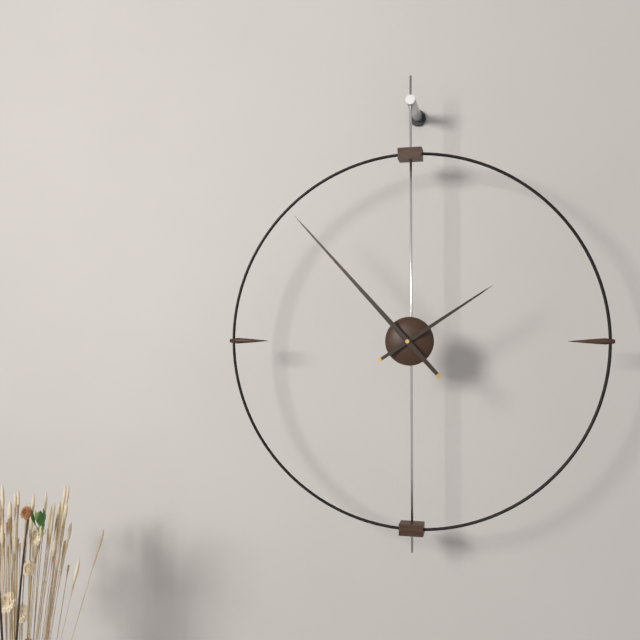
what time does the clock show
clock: 1:53
